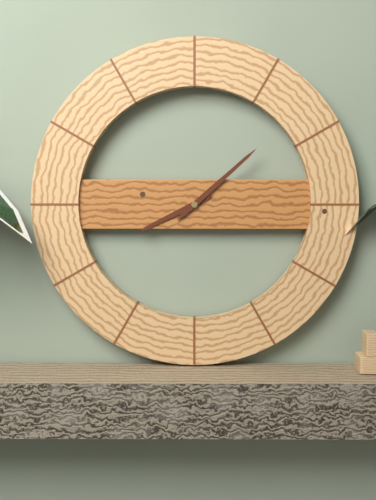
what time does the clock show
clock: 8:08
